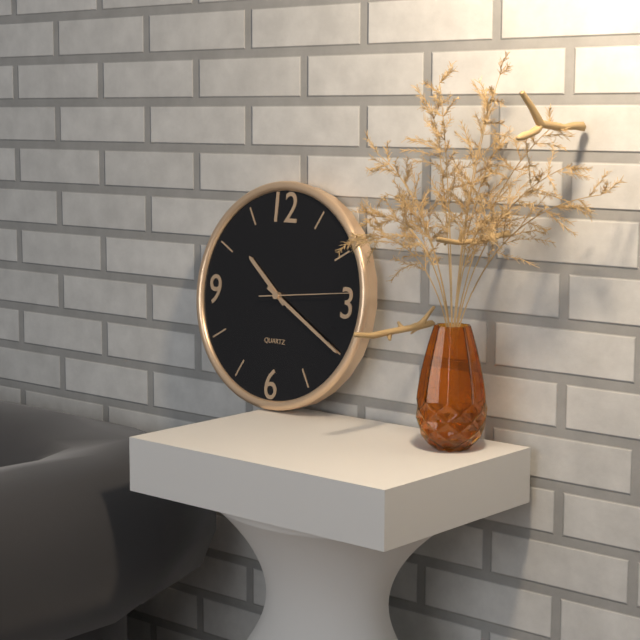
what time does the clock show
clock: 10:20:14
